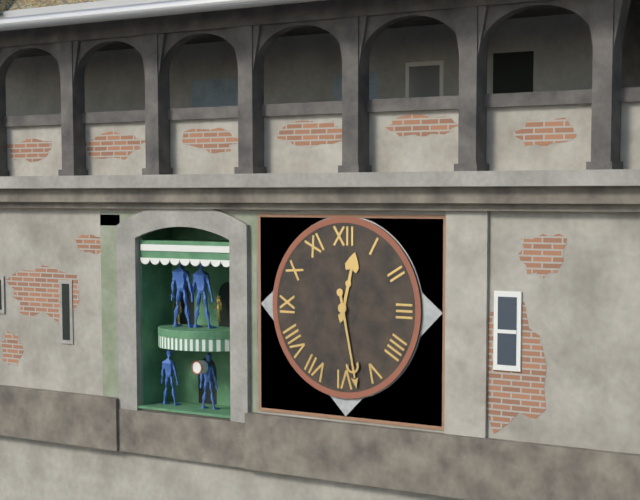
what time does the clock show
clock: 12:28
